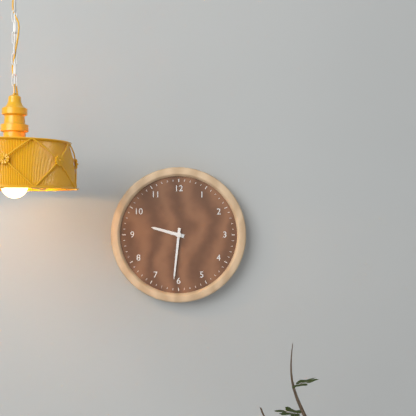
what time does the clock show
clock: 9:31
